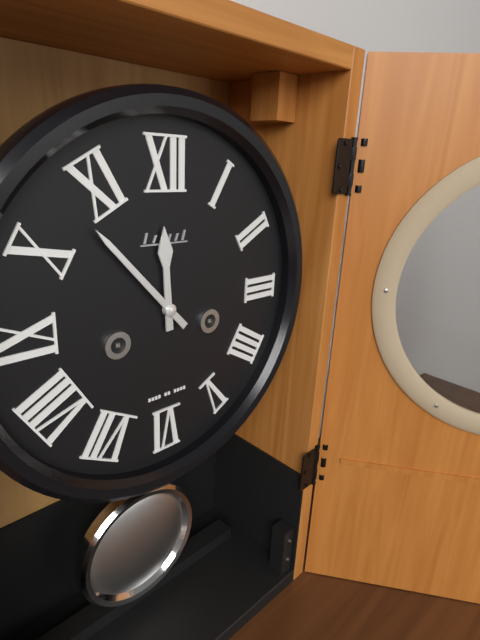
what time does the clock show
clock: 11:53
